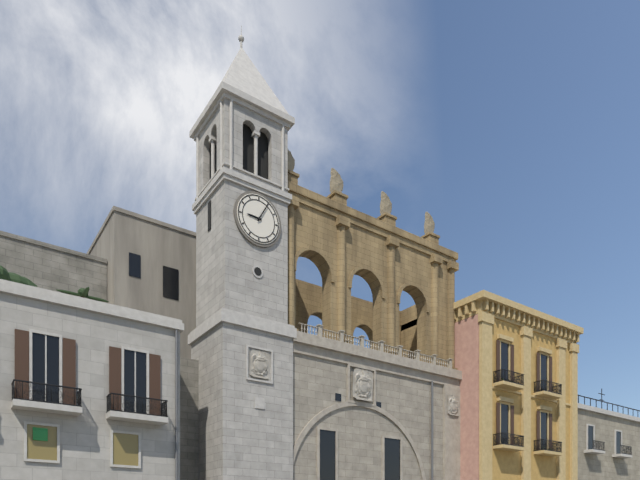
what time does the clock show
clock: 9:05
